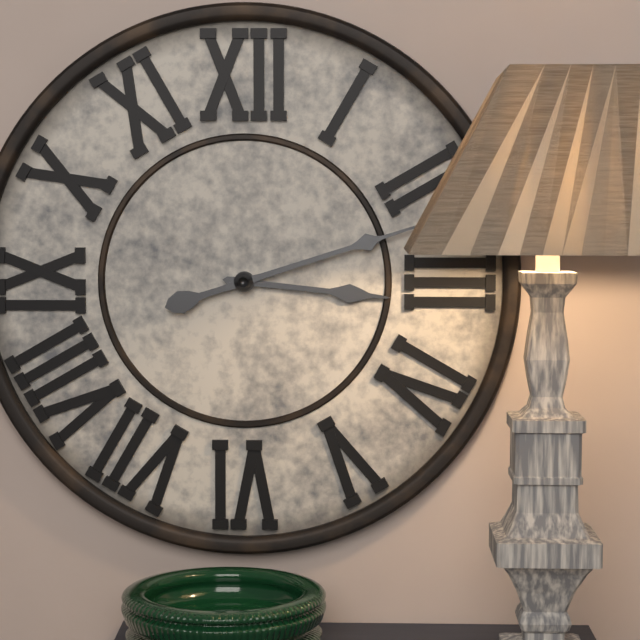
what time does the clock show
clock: 3:12
